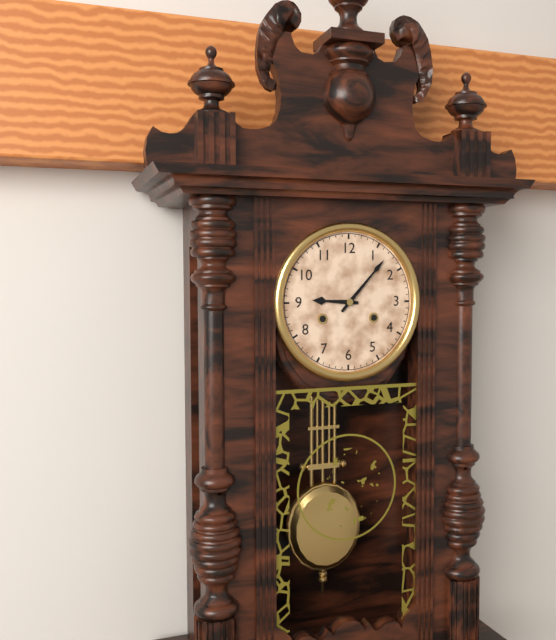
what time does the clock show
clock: 9:07
